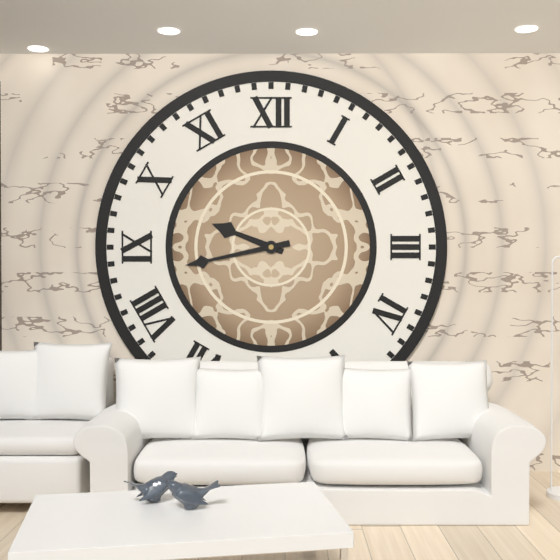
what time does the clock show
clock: 9:43
